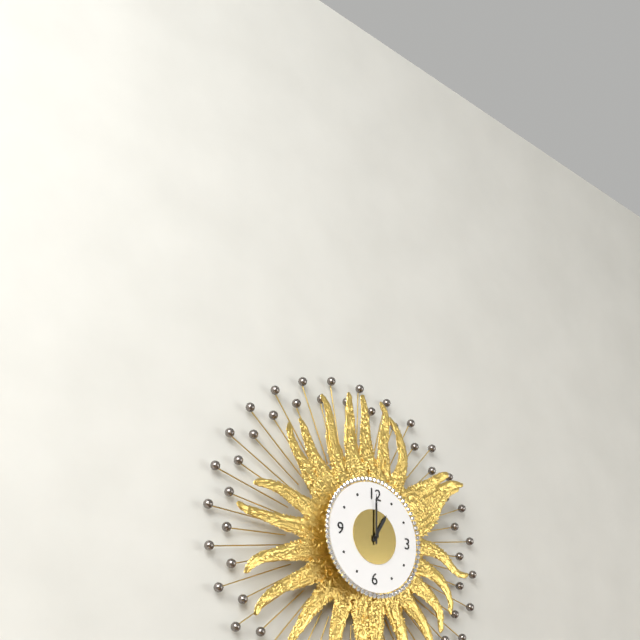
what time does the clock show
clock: 1:00
